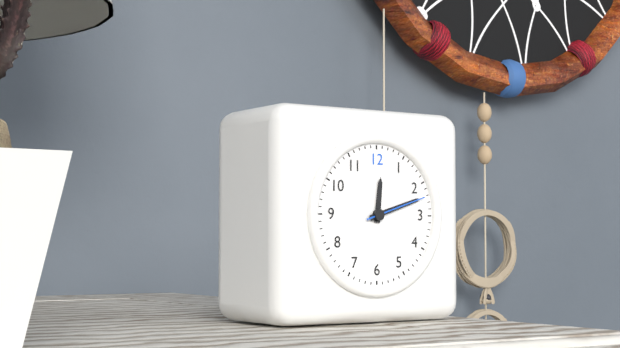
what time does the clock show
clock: 12:12:12
